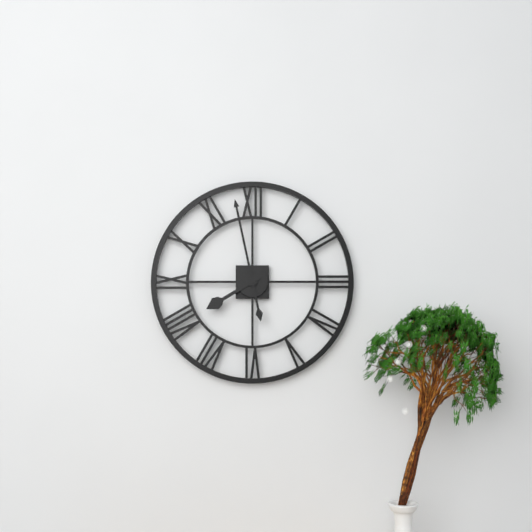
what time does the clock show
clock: 7:58
